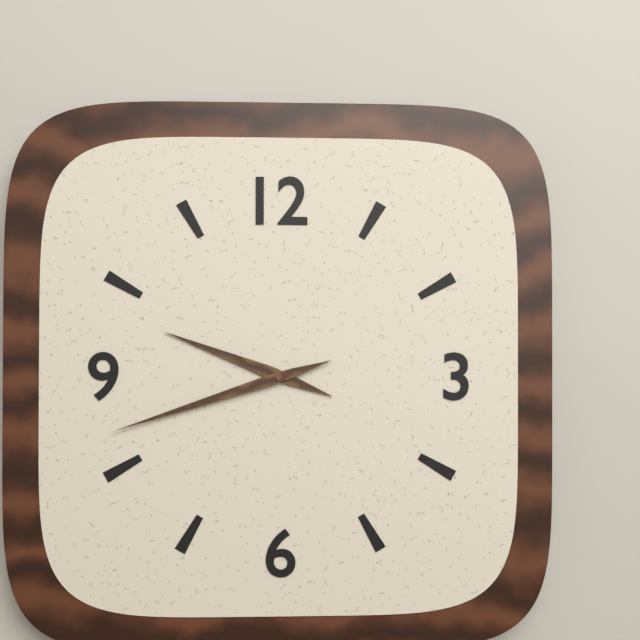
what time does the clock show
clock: 9:42
